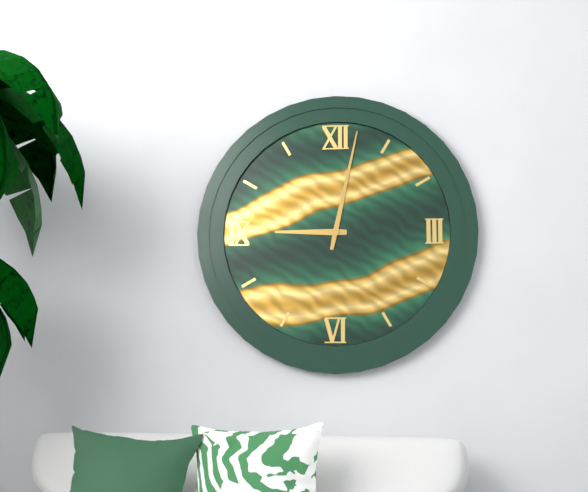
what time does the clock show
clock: 9:02
